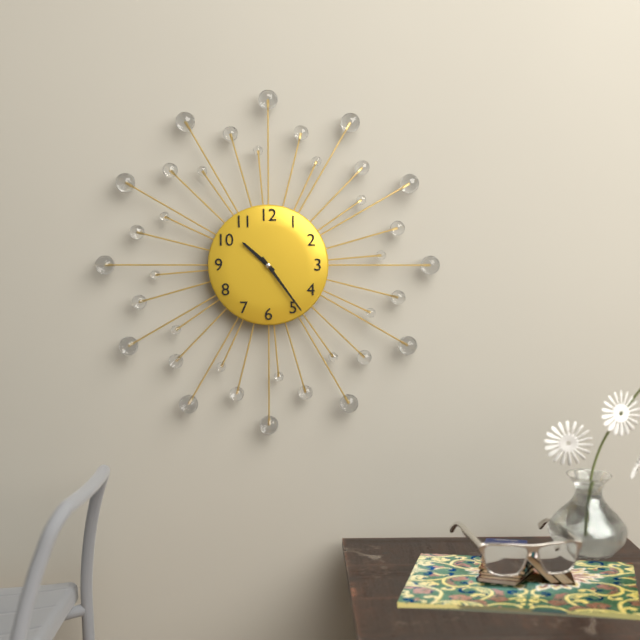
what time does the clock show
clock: 10:24
